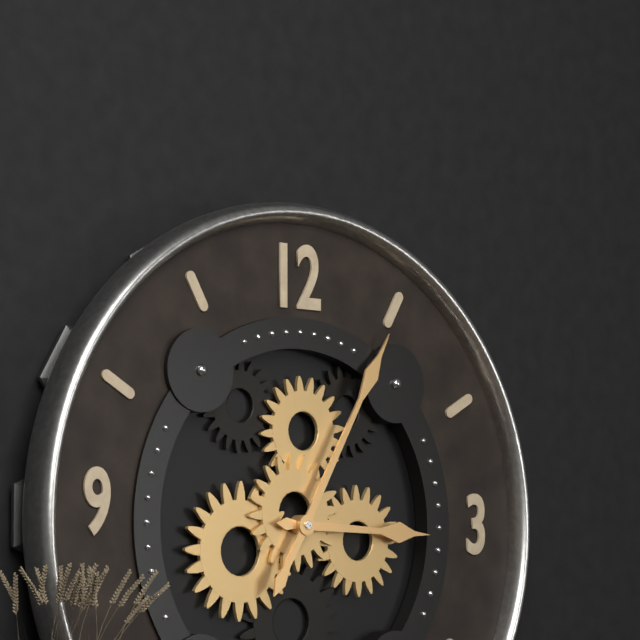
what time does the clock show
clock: 3:05
